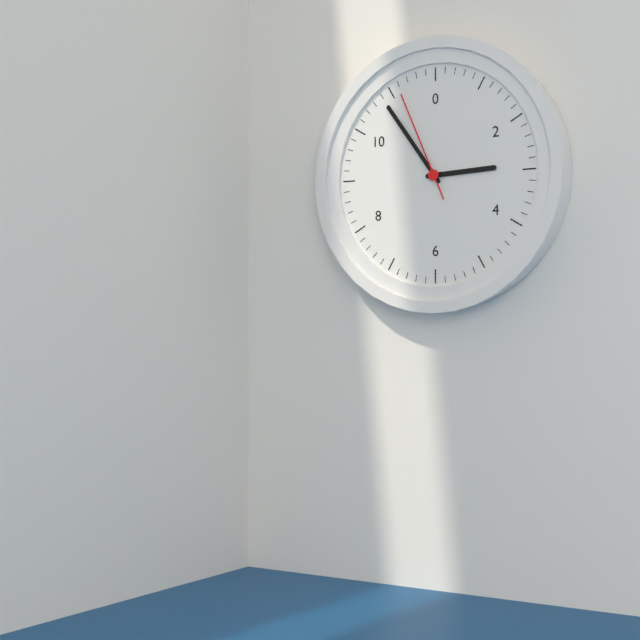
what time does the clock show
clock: 2:54:56
